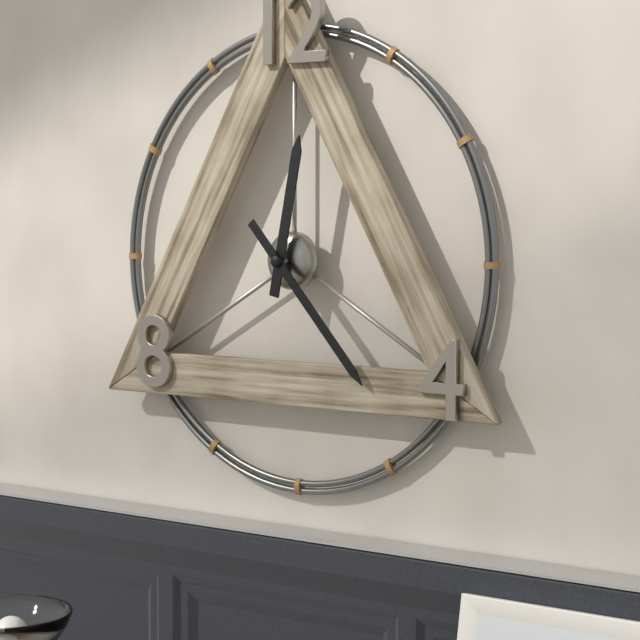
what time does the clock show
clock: 12:23
